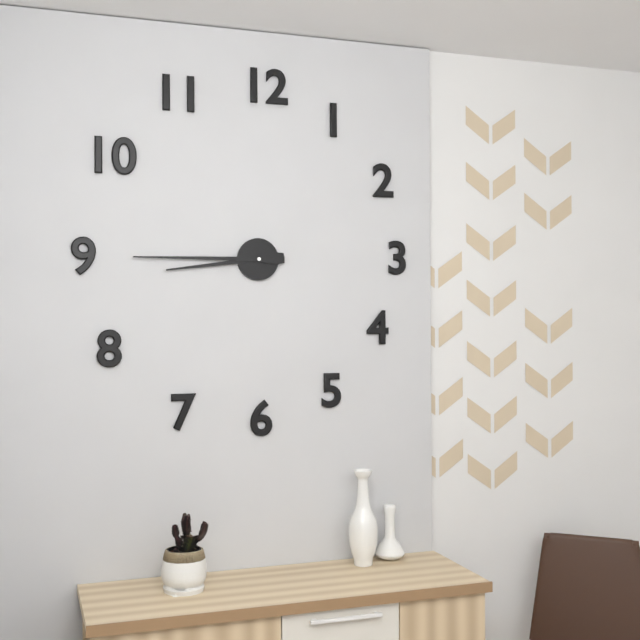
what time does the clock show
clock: 8:45
